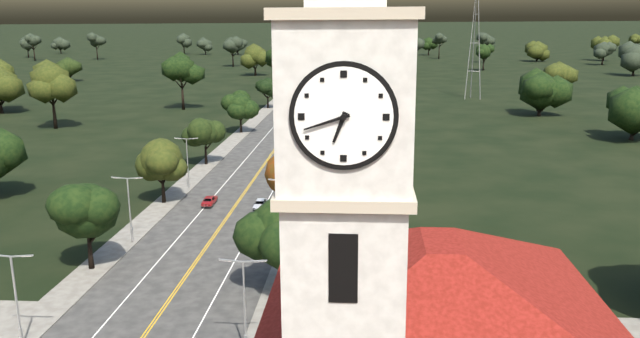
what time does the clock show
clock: 6:42
